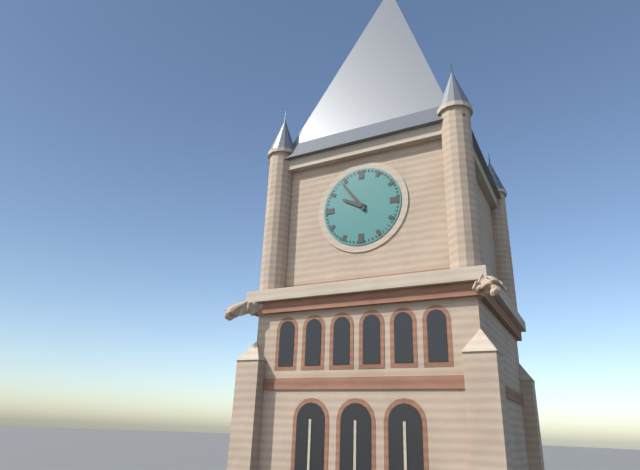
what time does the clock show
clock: 9:54
